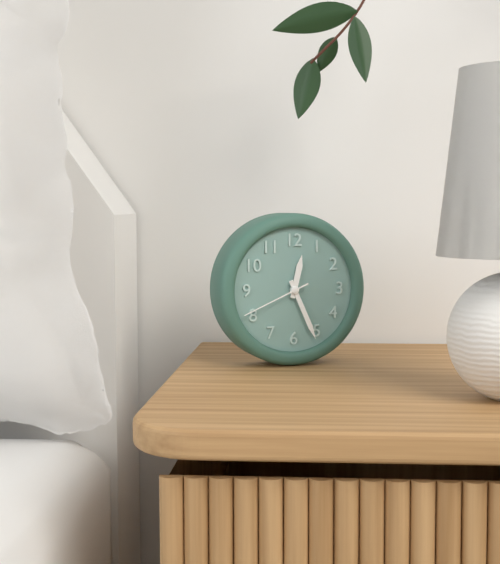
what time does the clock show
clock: 12:26:41
